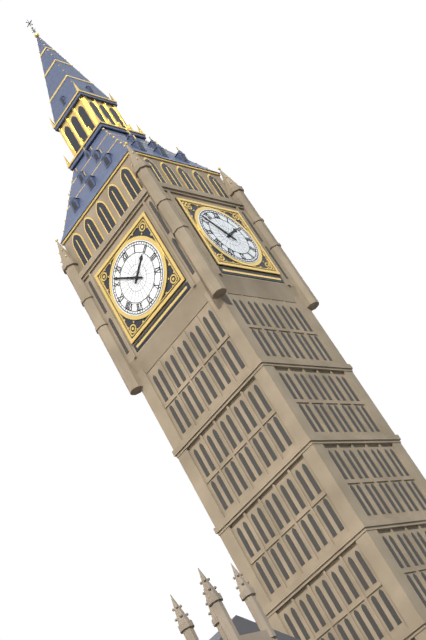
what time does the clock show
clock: 1:52
